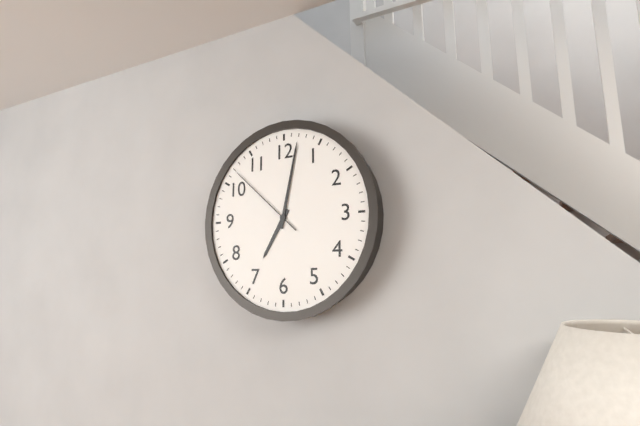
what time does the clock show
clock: 7:02:52
